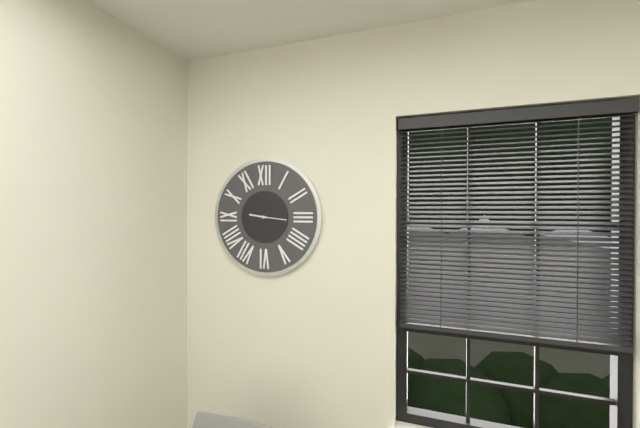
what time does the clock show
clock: 9:16
